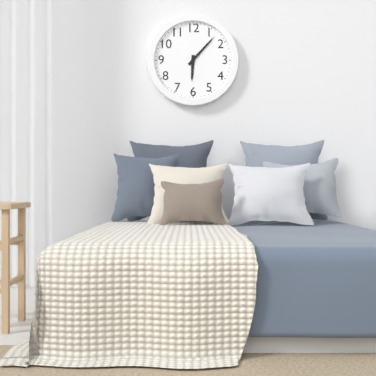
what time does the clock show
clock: 6:07
